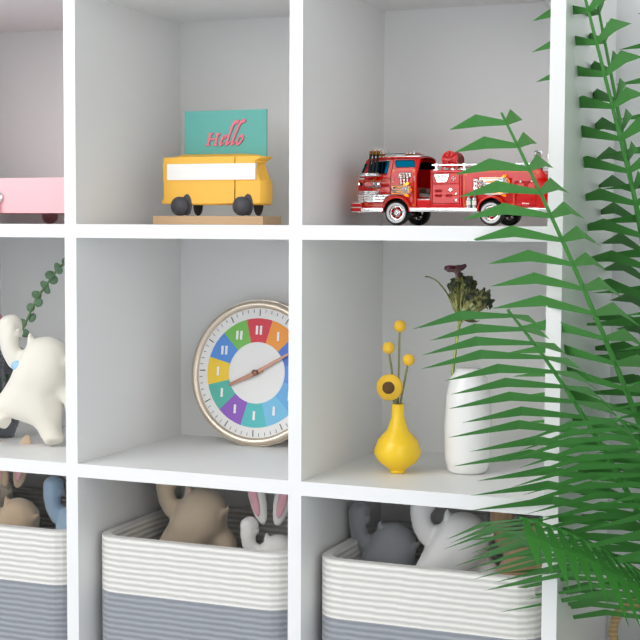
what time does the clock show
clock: 8:10
